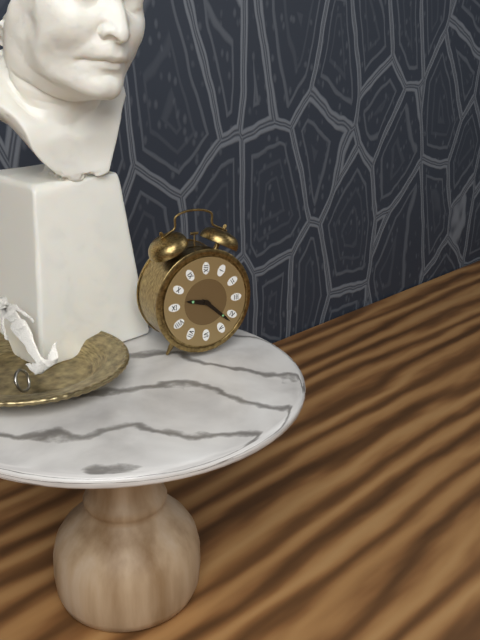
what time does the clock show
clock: 9:22
